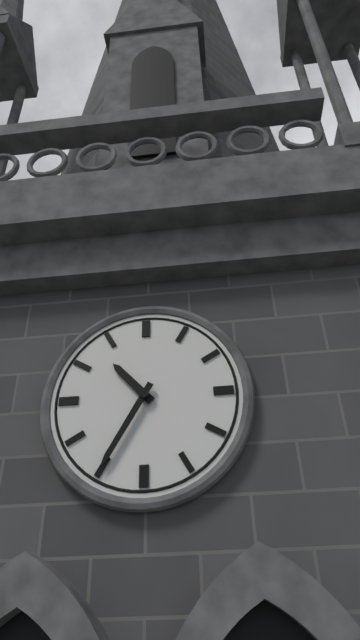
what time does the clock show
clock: 10:35
